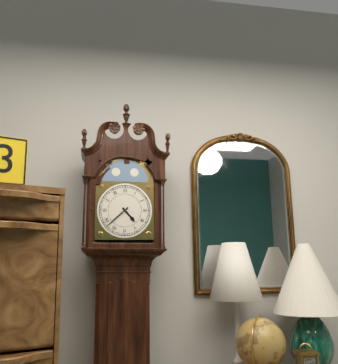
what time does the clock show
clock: 4:38
